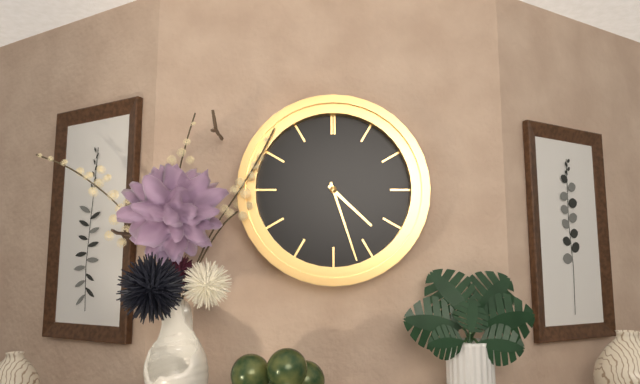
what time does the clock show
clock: 4:27
